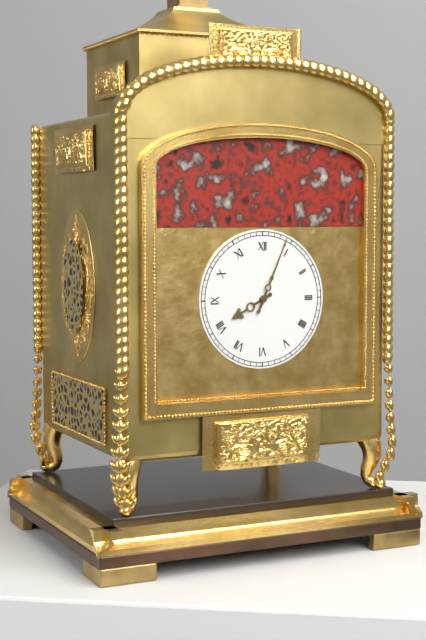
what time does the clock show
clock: 8:04
